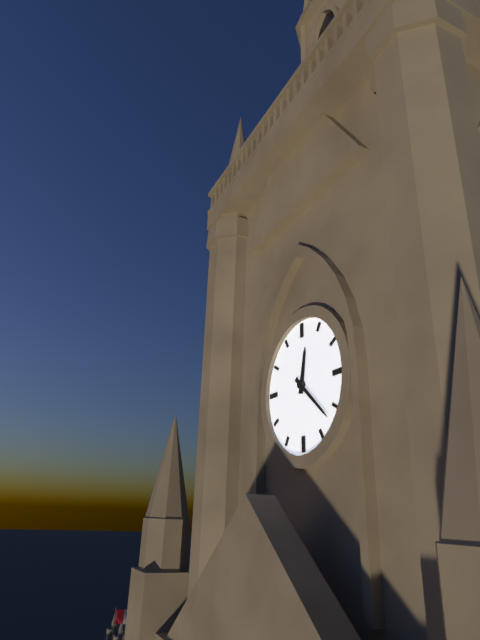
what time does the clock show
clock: 12:22
